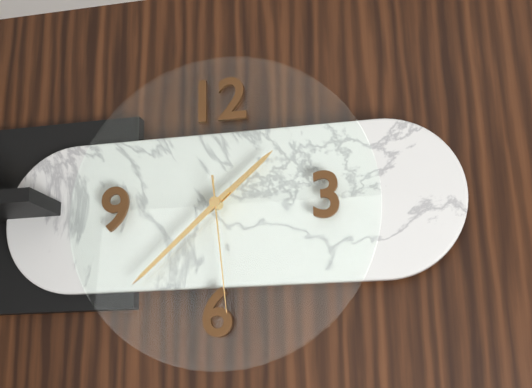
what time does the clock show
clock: 1:38:29
